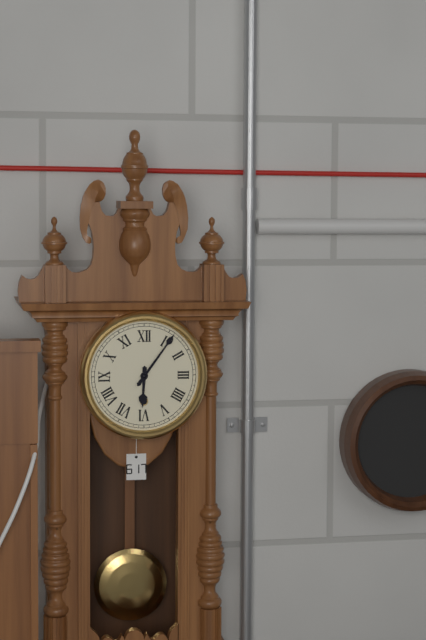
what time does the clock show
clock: 6:06
